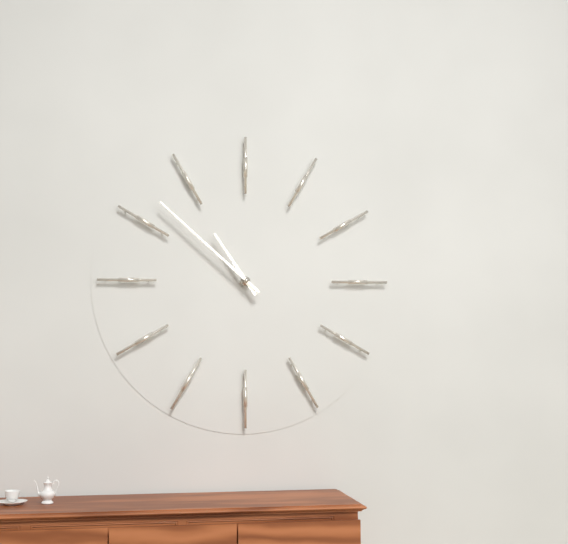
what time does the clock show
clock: 10:52
